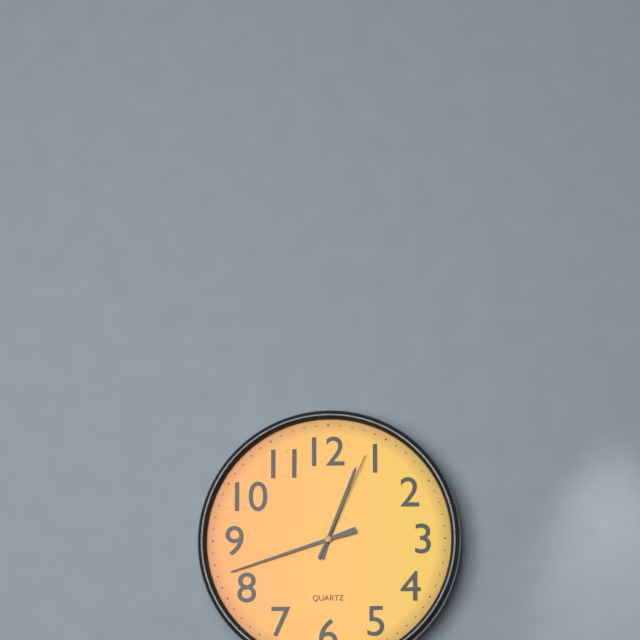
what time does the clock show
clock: 12:42:04
